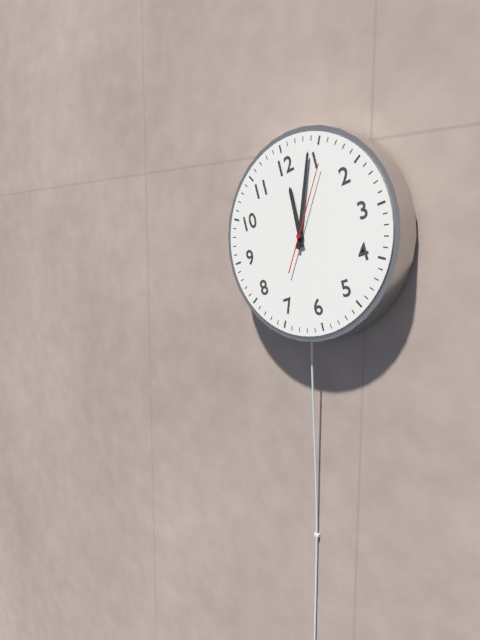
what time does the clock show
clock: 12:04:06
